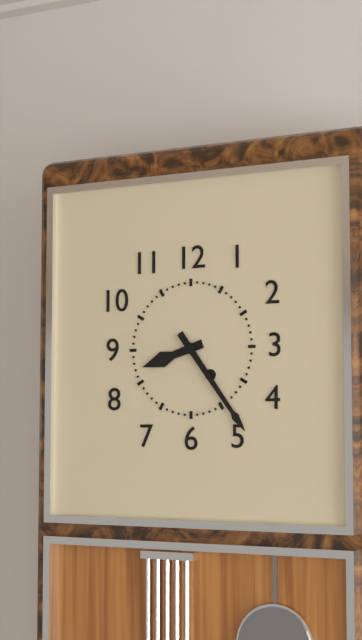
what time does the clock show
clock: 8:24
